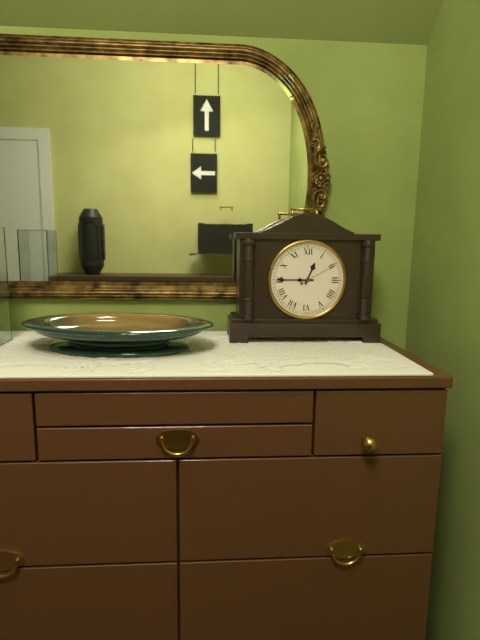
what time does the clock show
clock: 12:45
